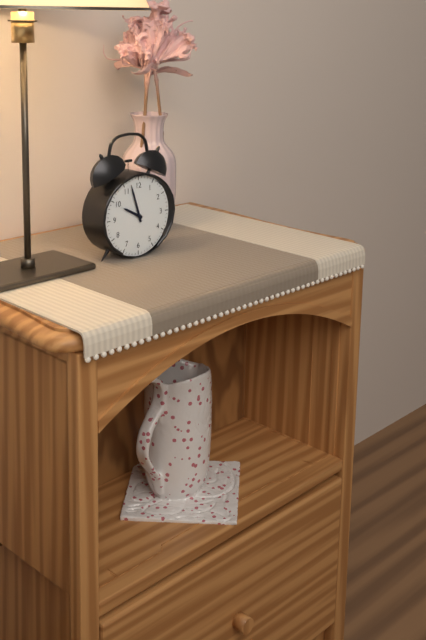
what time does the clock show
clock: 9:57
